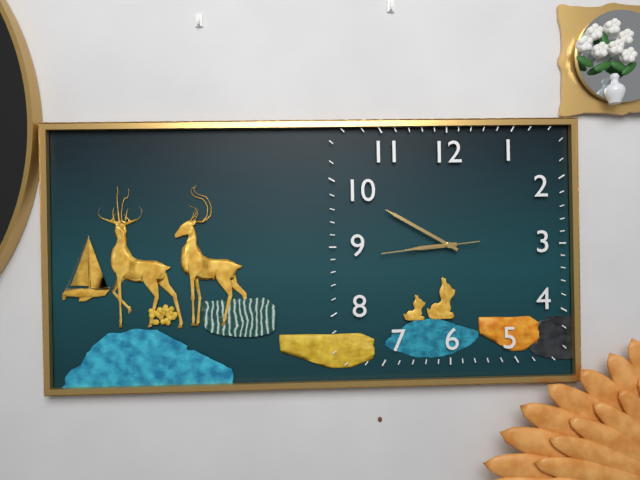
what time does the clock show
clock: 8:50:44
